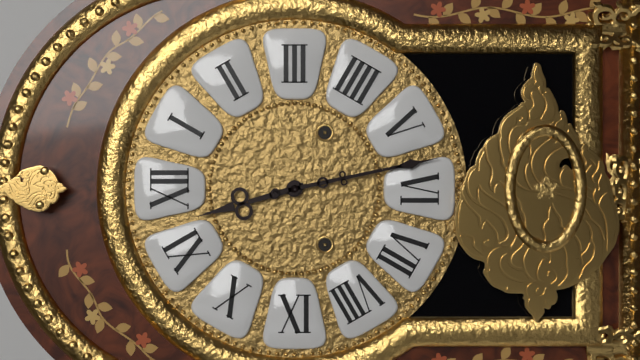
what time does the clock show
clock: 11:28
